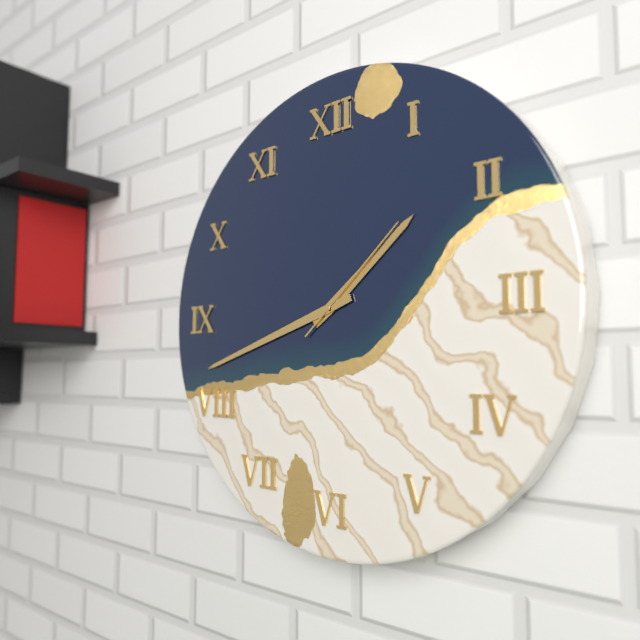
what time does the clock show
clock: 1:42:08
